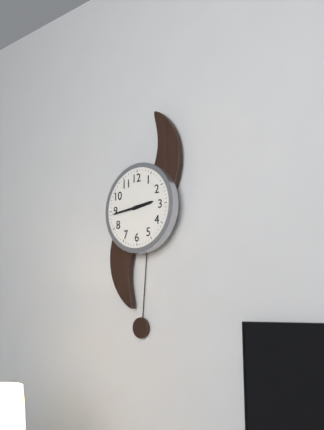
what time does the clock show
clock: 2:44
